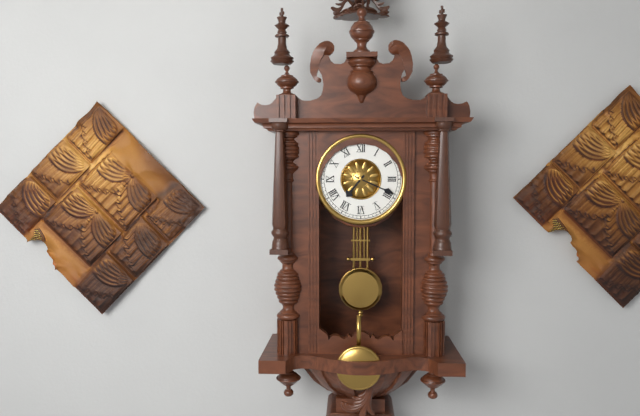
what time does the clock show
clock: 7:19
